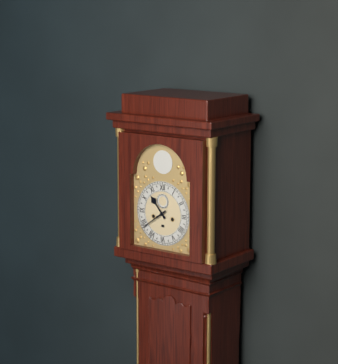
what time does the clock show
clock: 10:39
